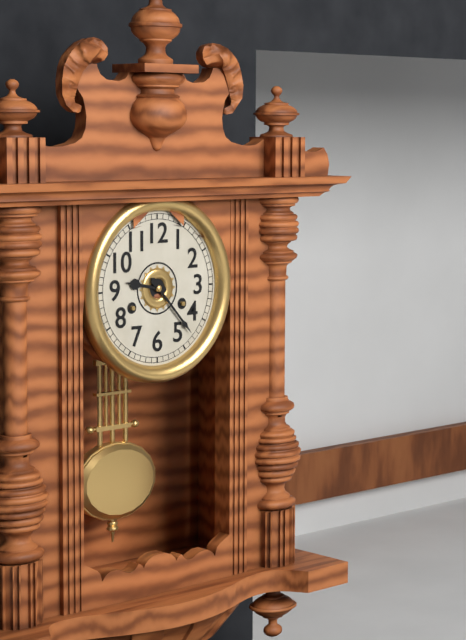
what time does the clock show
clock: 9:23
